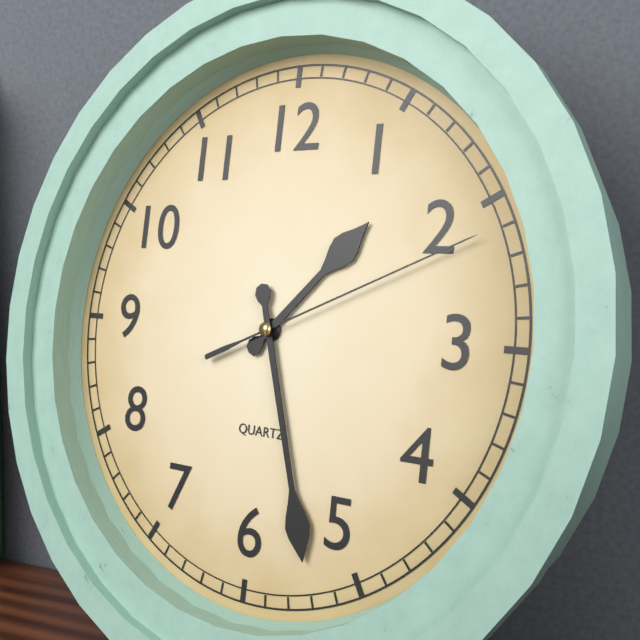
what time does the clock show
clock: 1:27:11
